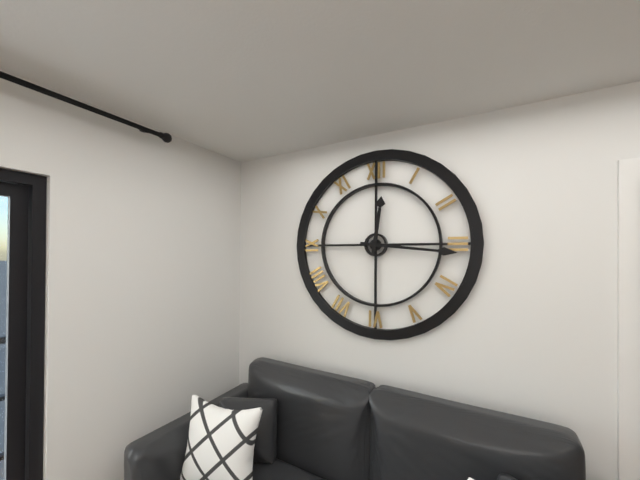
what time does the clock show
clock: 12:16
